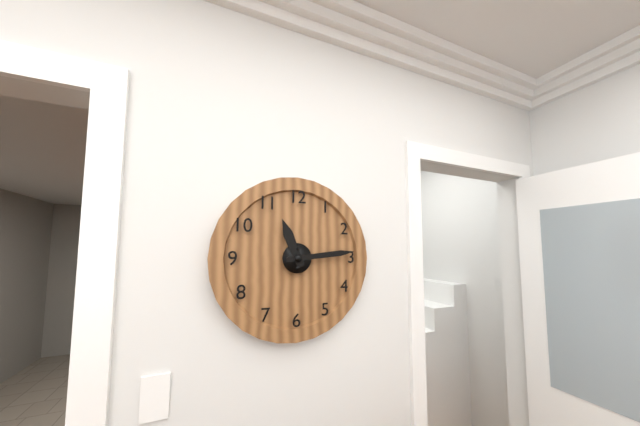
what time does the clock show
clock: 11:14
